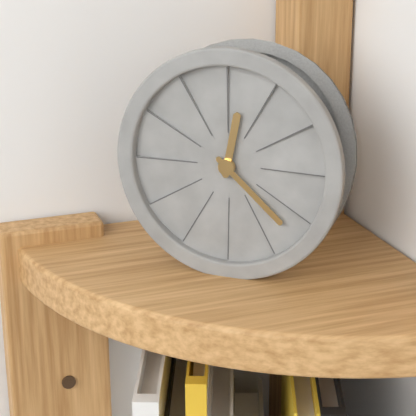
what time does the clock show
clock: 12:22
